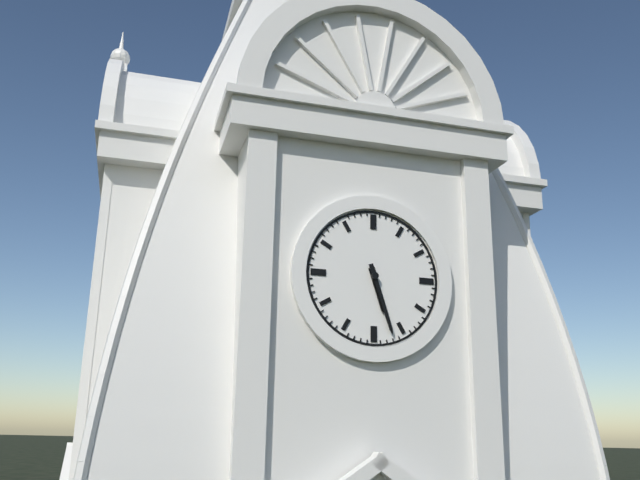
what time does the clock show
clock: 5:27
